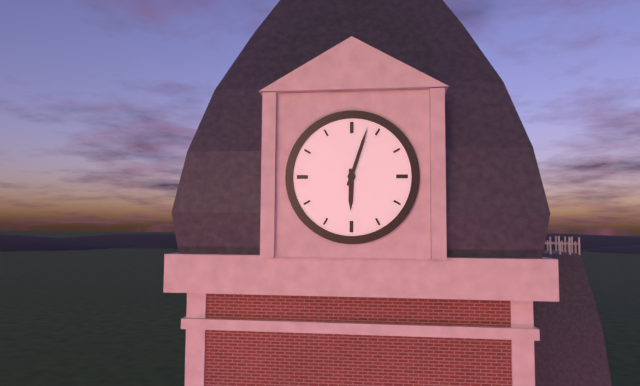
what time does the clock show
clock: 6:03
